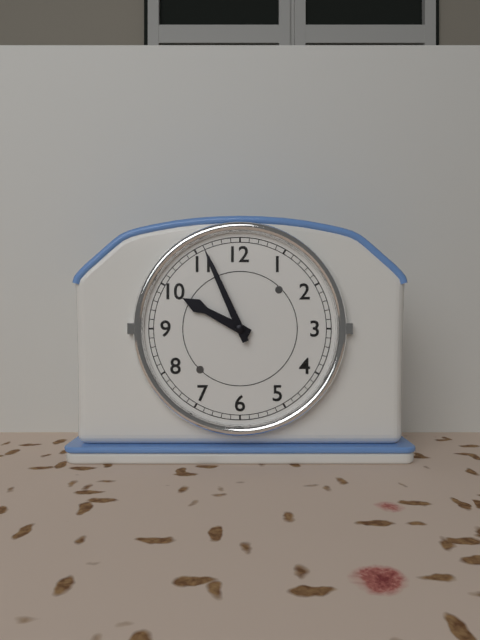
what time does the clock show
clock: 9:56
